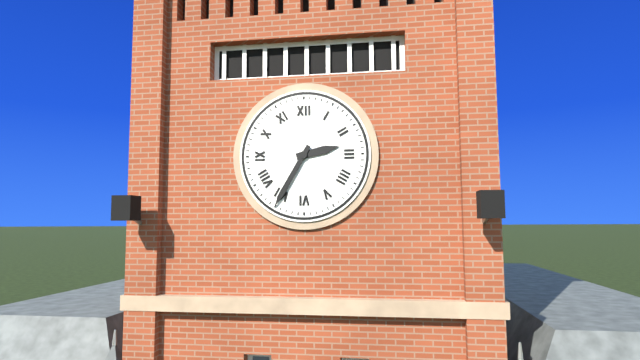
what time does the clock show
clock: 2:35
